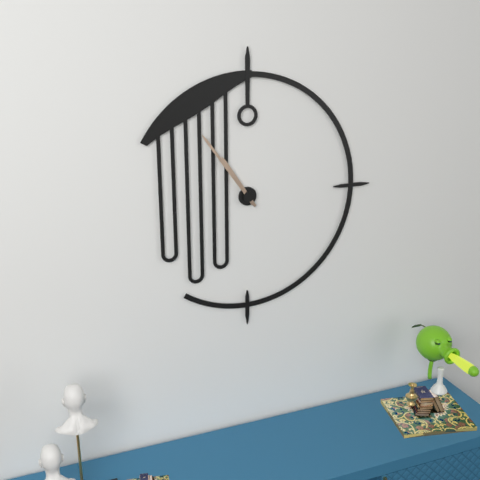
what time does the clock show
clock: 10:54
